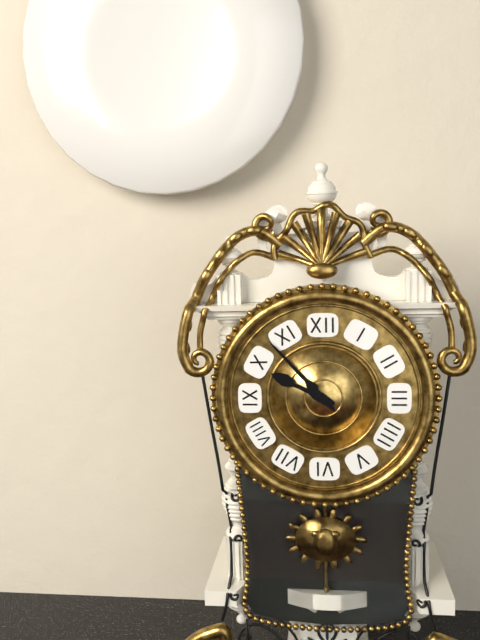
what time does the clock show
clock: 9:53
